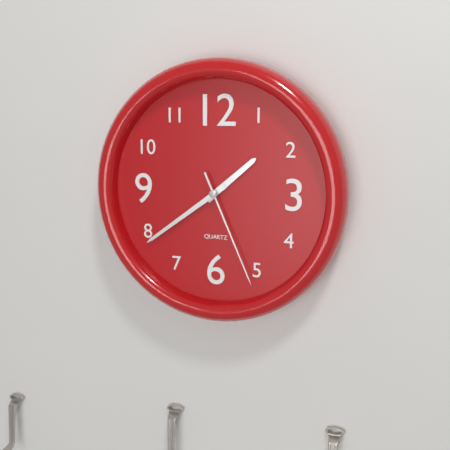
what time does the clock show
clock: 1:39:26
